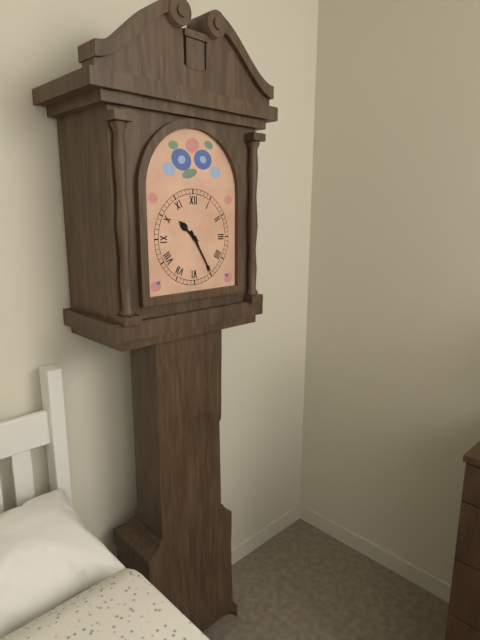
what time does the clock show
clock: 10:25
